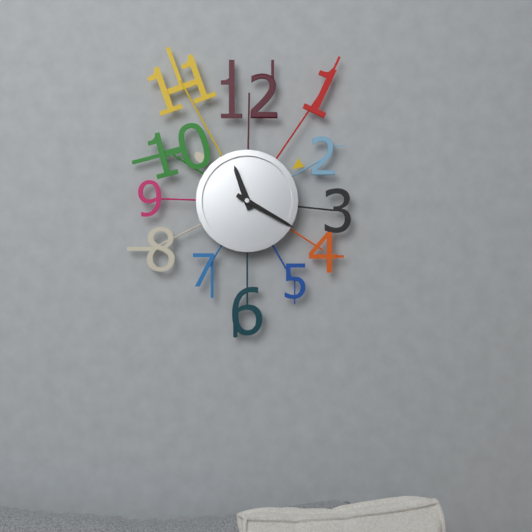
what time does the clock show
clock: 11:20
